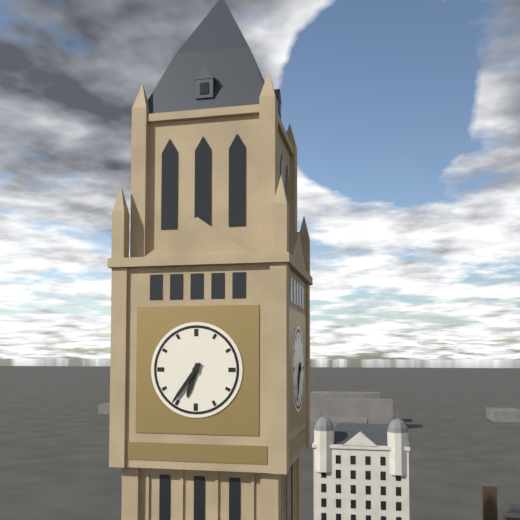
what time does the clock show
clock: 6:36
